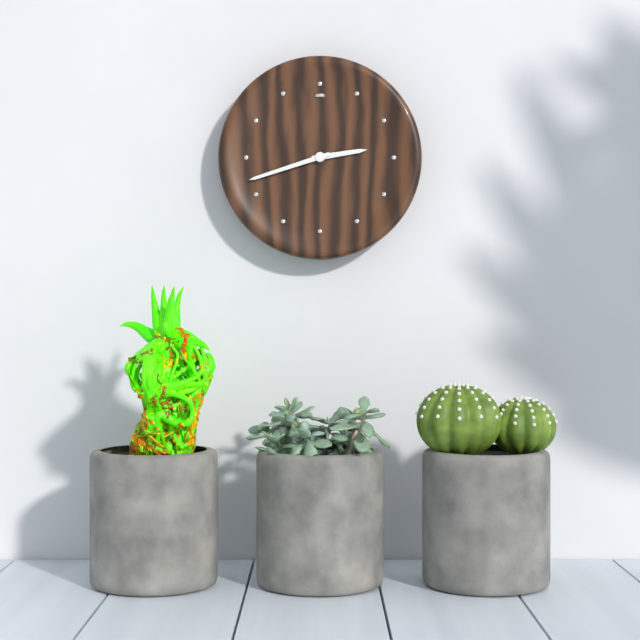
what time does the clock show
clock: 2:42
